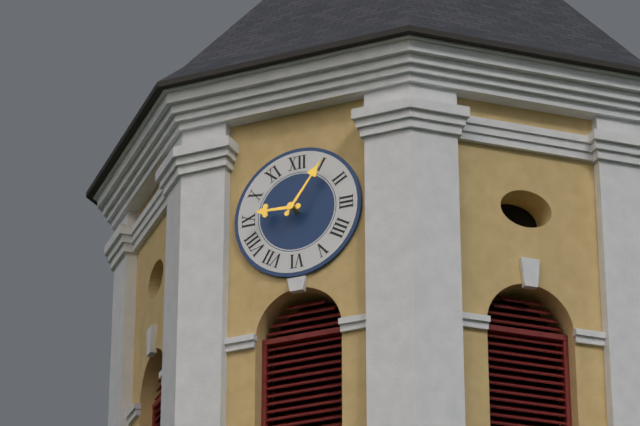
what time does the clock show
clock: 9:06
